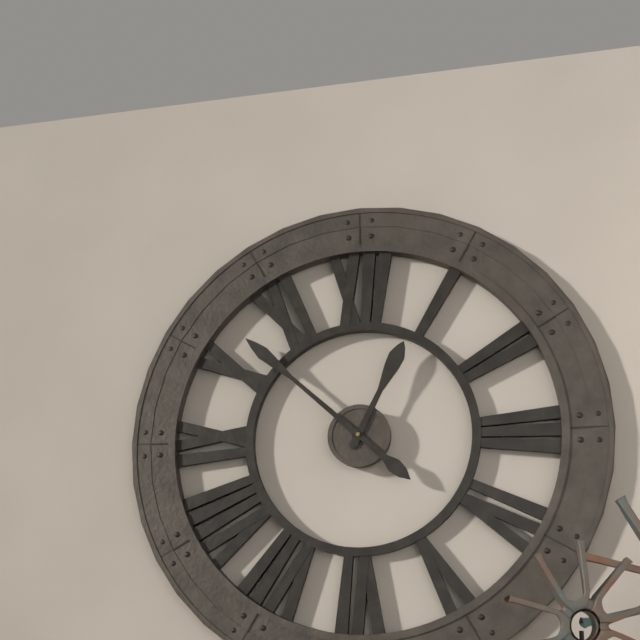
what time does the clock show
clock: 12:52
